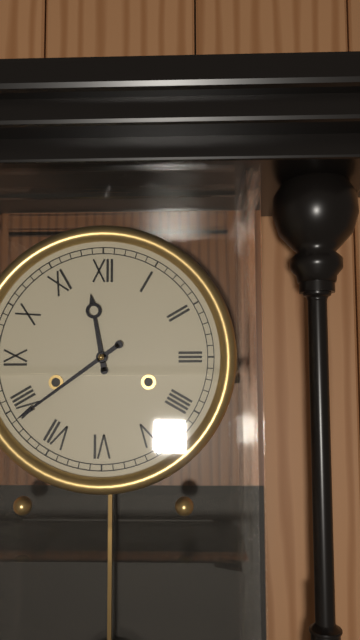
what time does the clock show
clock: 11:39
